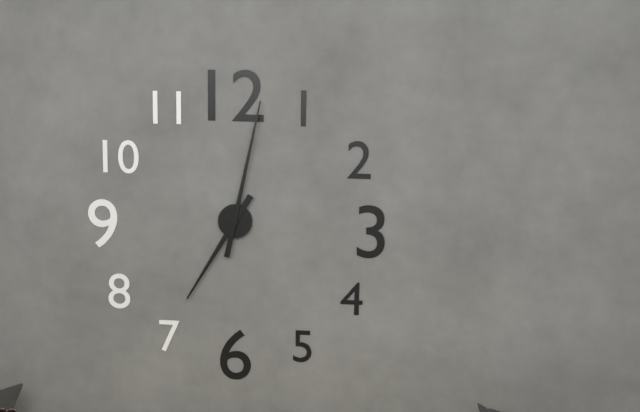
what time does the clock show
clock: 7:02
